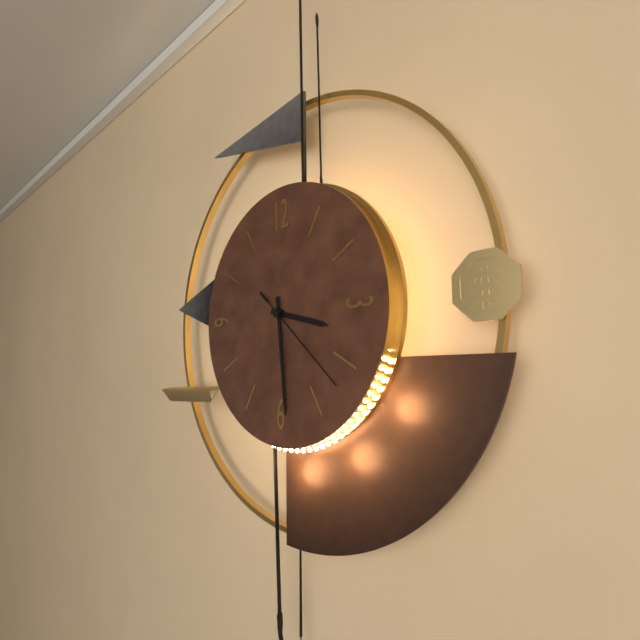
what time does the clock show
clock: 3:29:22
